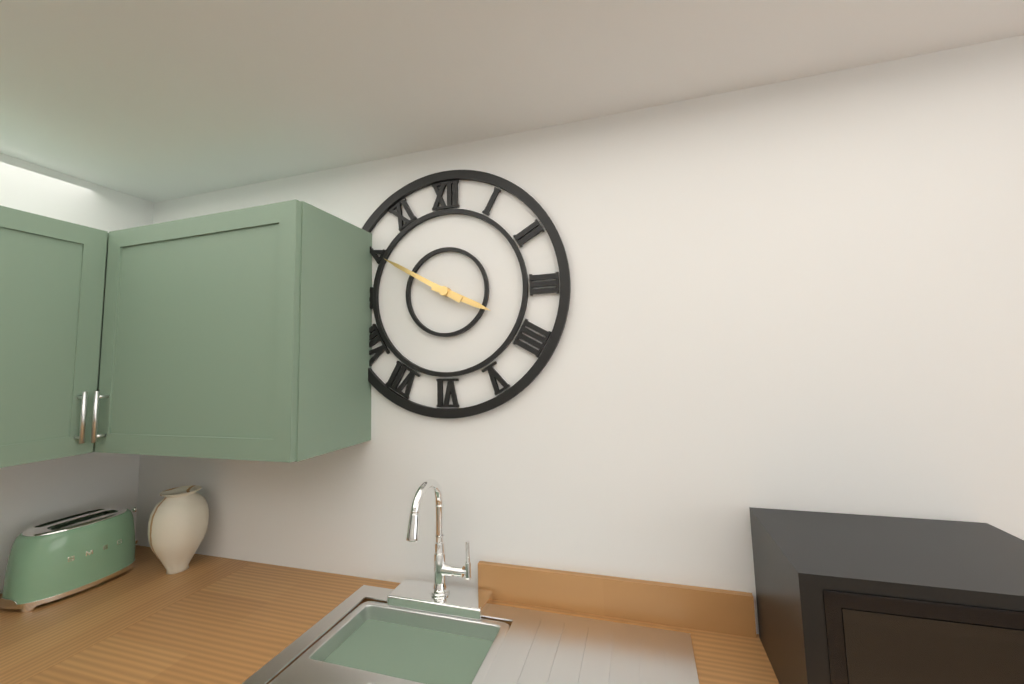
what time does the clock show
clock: 3:50
